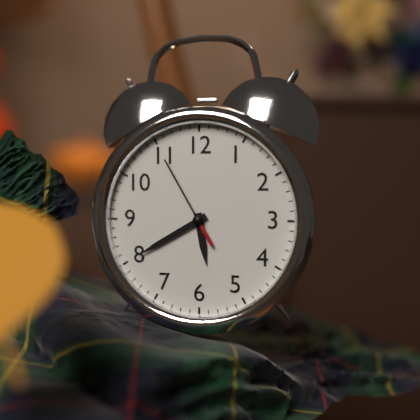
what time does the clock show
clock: 5:40:55
